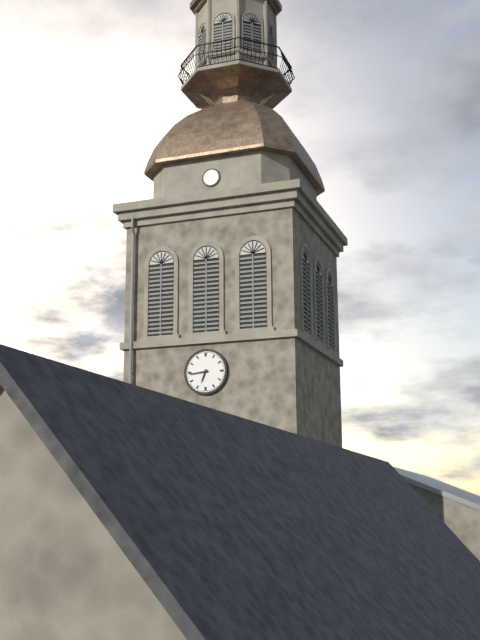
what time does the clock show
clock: 6:44
